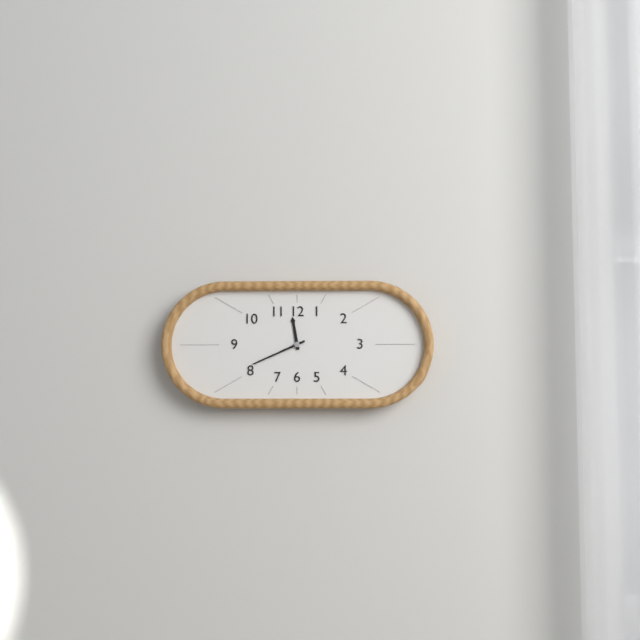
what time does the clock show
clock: 11:41
